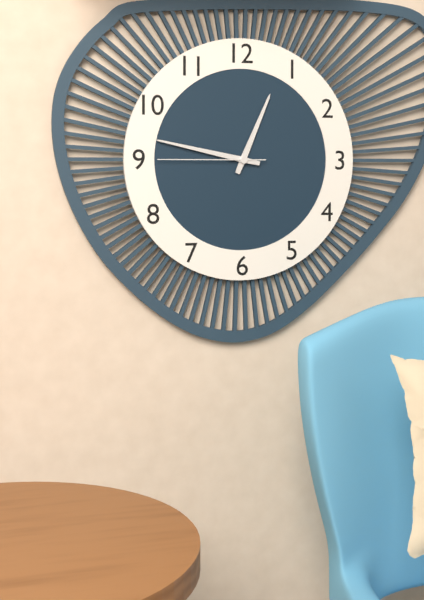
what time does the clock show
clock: 12:47:45
